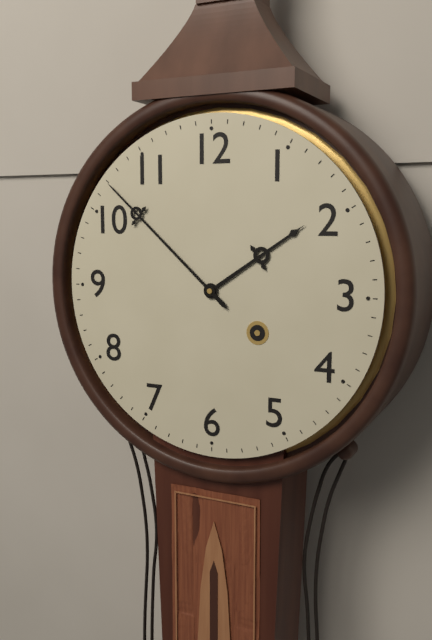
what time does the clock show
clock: 1:52
